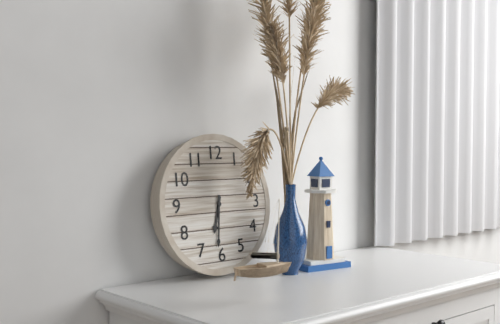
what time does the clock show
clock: 6:31
